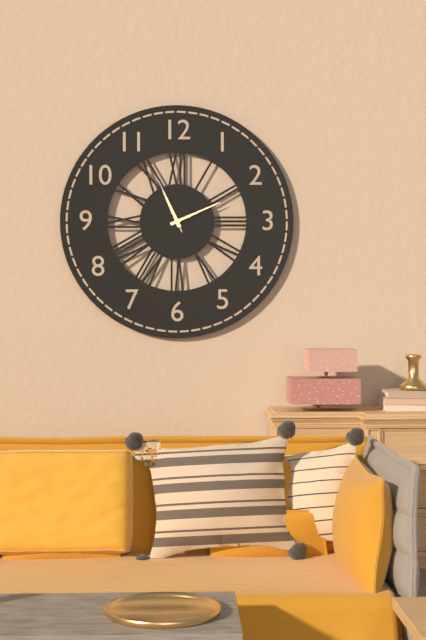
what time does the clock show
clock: 11:11:56
